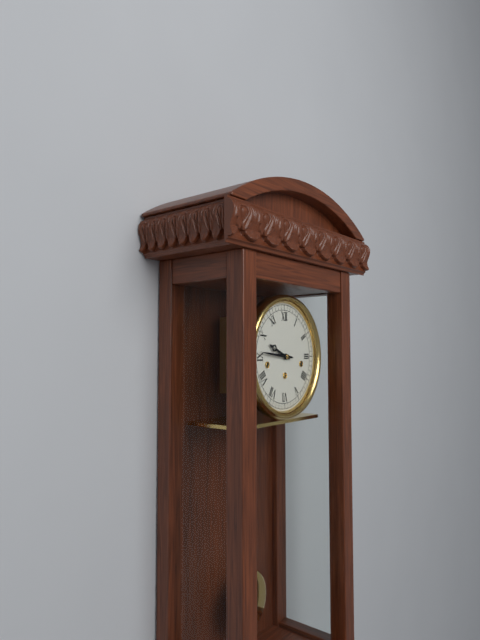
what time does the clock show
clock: 9:46
